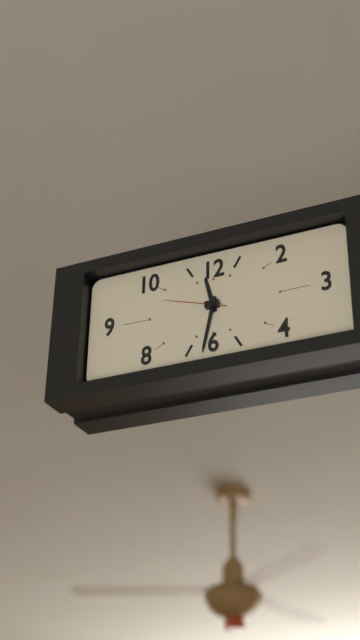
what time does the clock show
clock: 11:32:48
